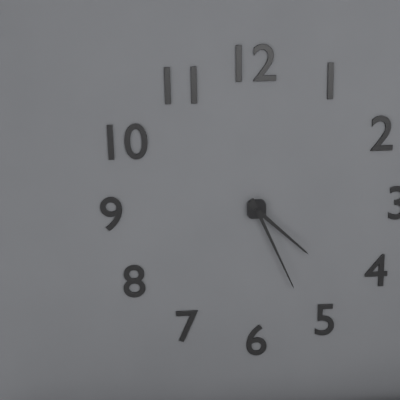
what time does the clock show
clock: 4:26
